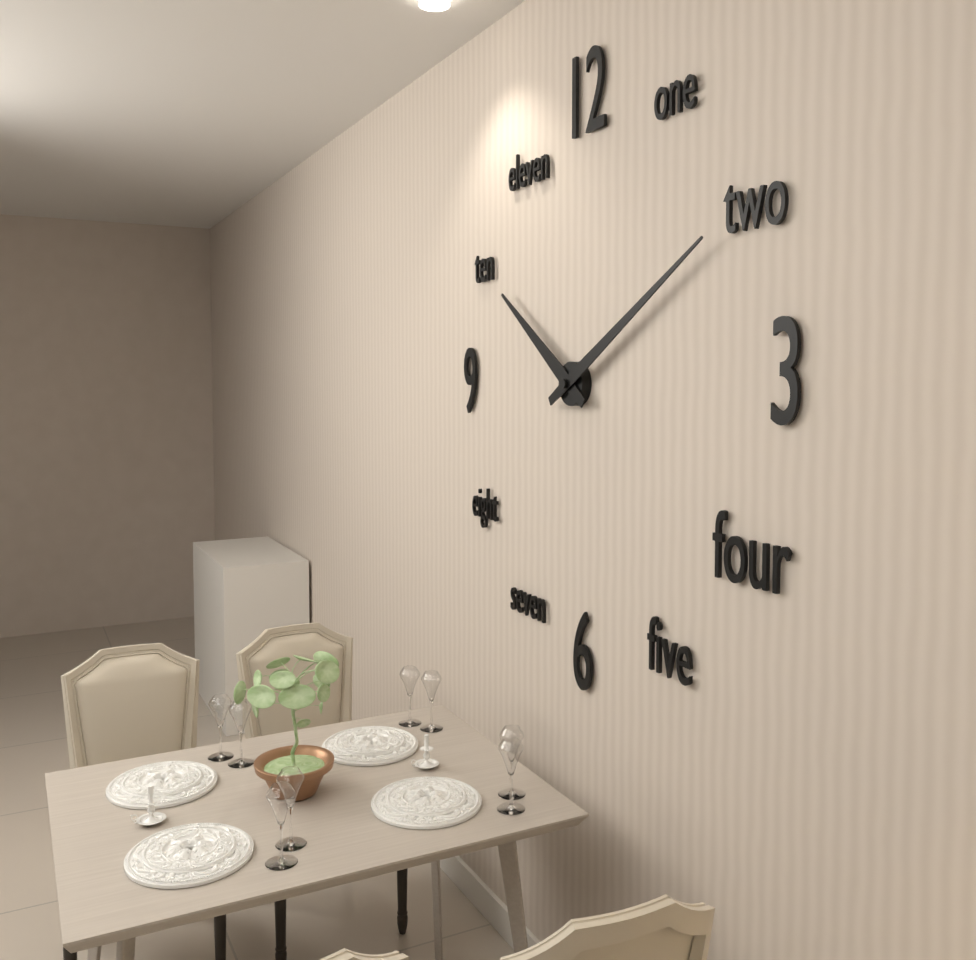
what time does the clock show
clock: 10:10
